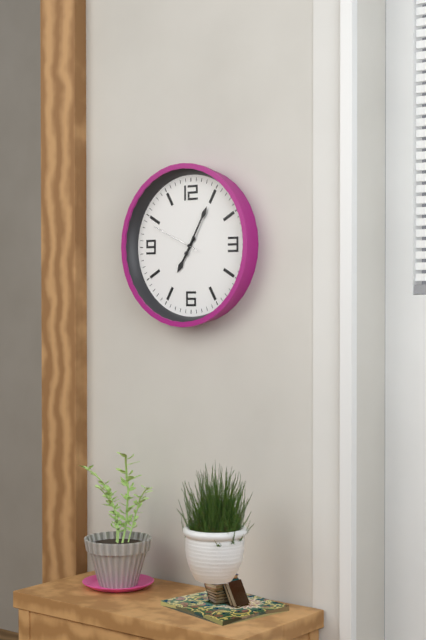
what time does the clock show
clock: 7:05:49
